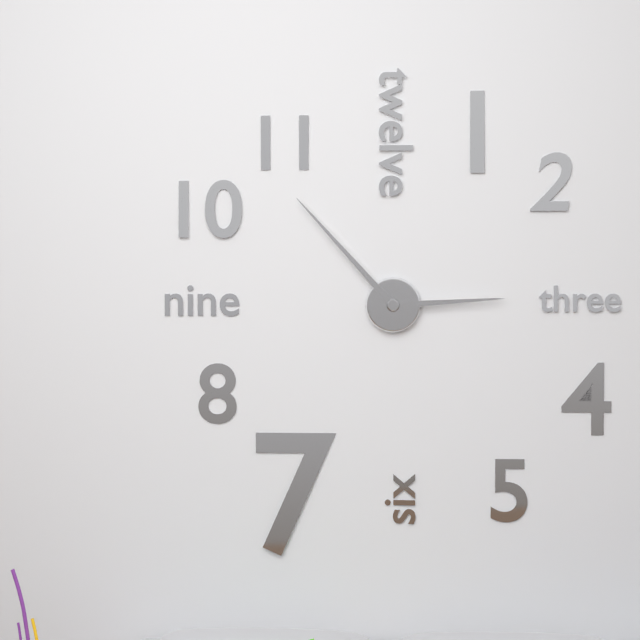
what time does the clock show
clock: 2:53
